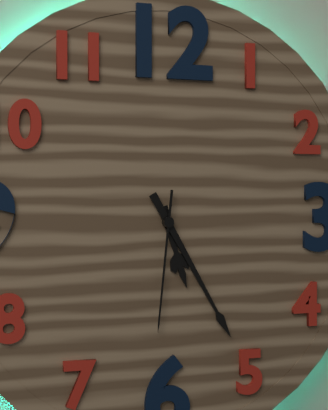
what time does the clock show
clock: 5:25:31
